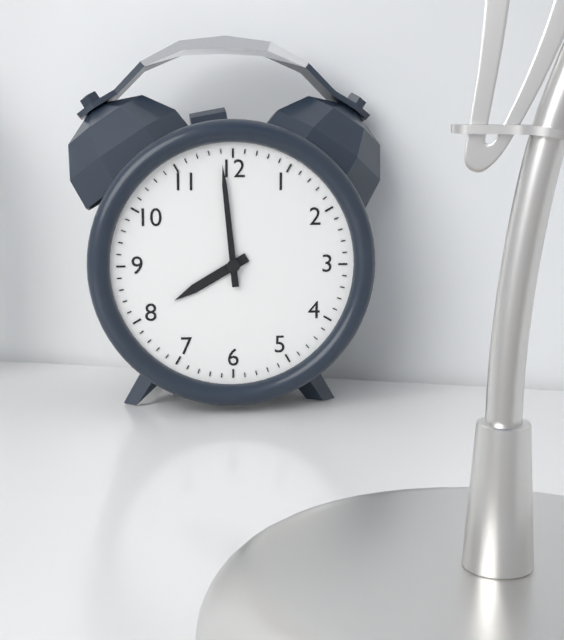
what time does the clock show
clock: 7:59
